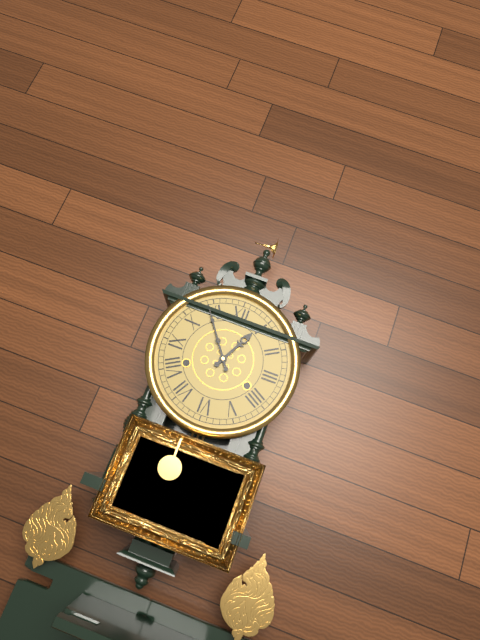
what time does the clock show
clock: 12:54
